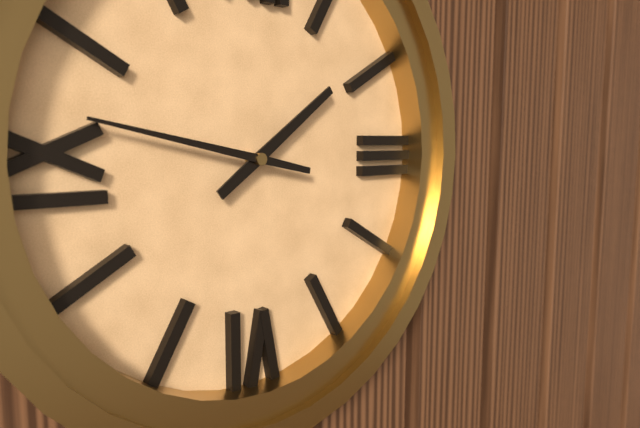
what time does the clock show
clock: 1:47
